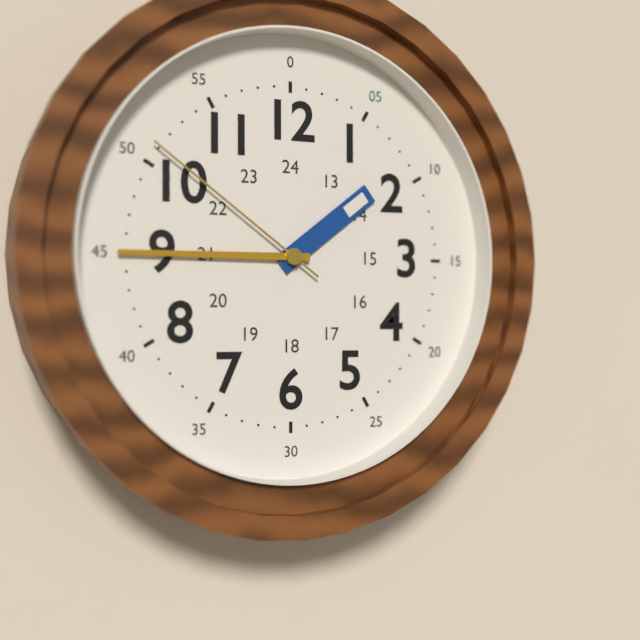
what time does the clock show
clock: 1:45:51
